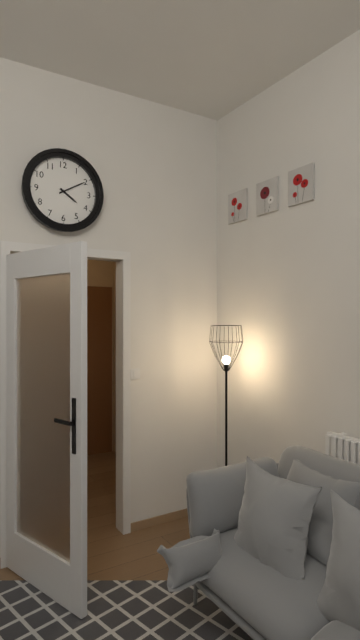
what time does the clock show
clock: 4:10
